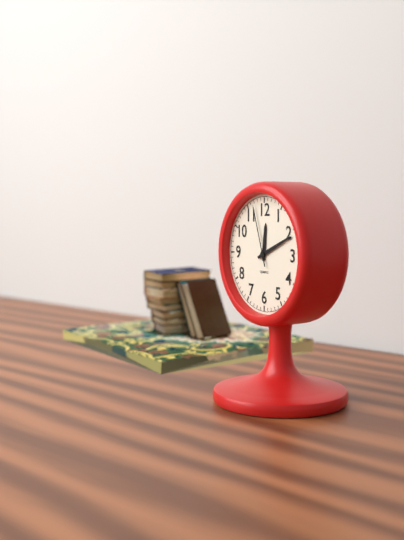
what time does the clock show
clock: 12:11:57
